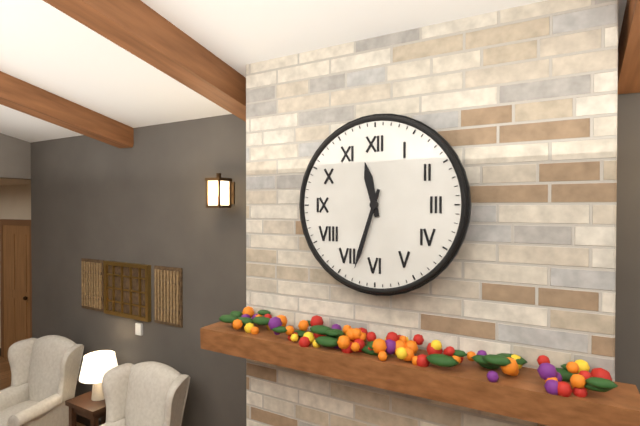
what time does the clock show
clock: 11:33
